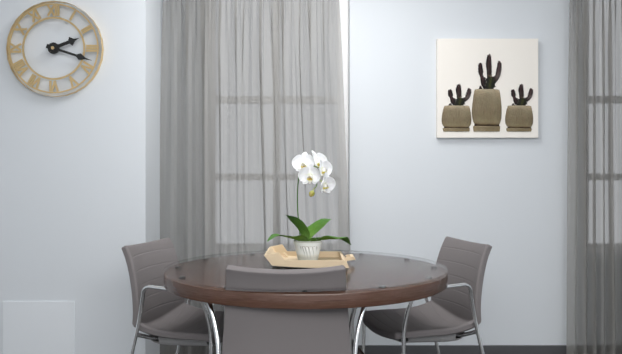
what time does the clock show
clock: 2:18
